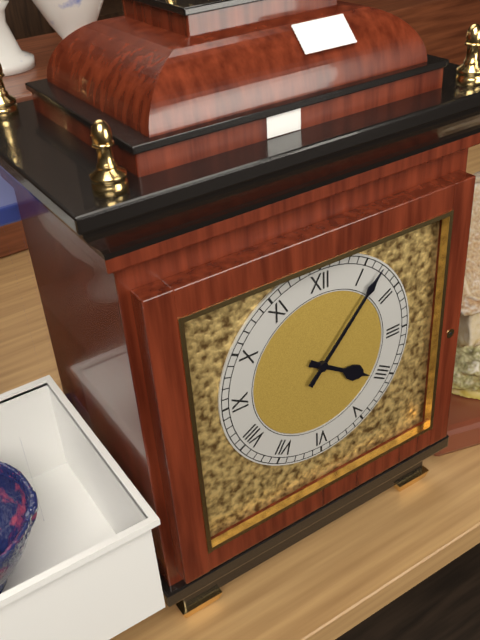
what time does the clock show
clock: 4:07
